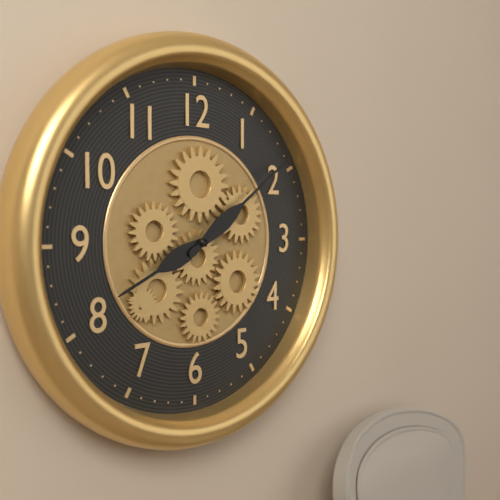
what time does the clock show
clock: 8:09
